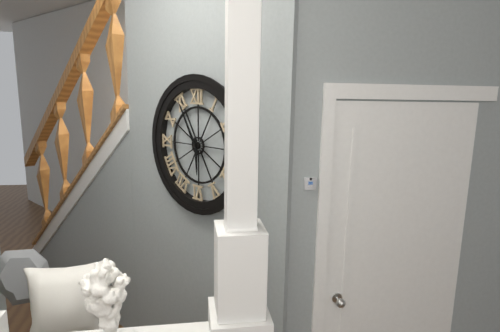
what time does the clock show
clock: 5:55
